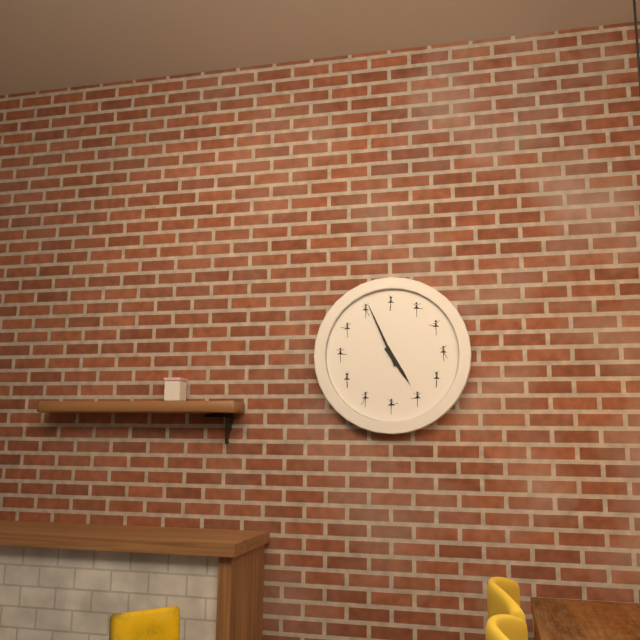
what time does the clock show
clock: 4:56
